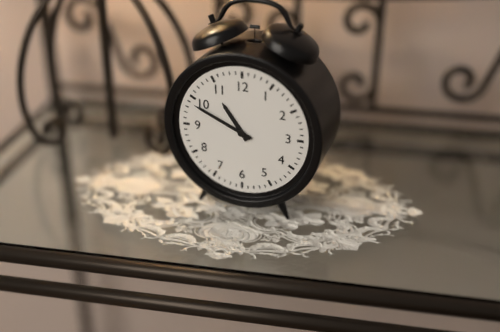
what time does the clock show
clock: 10:49
